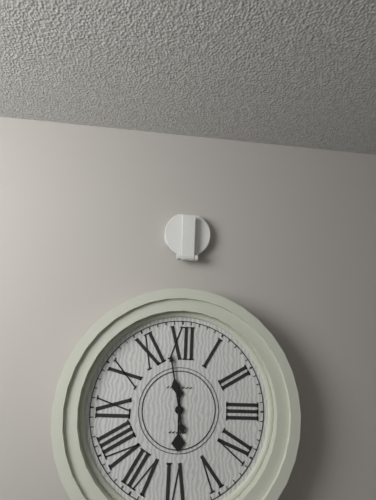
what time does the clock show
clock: 5:58
